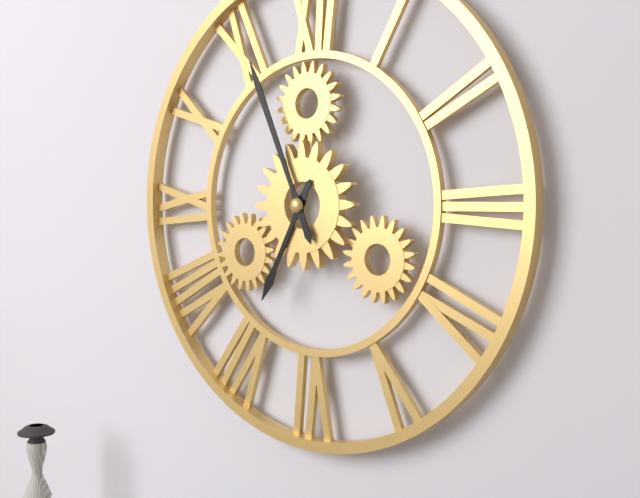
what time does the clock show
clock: 6:56
